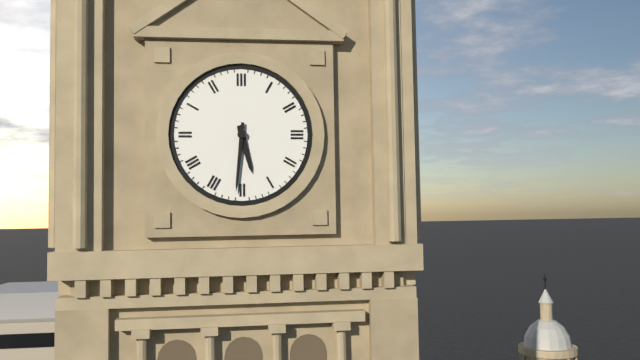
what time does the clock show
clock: 5:31
